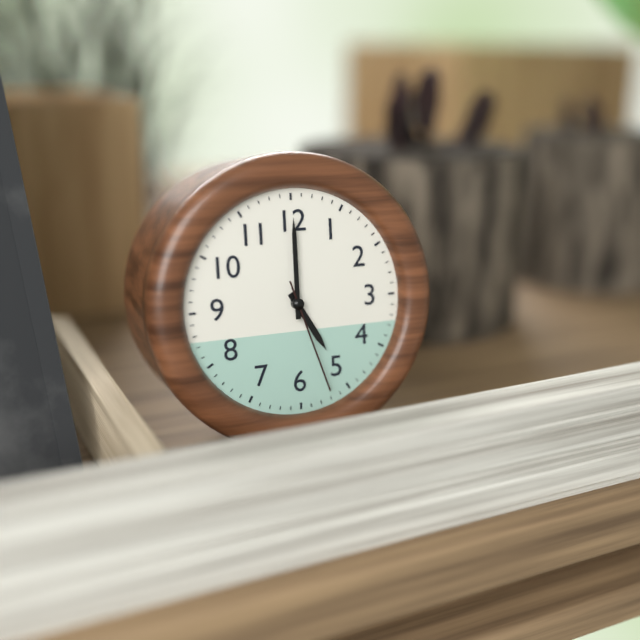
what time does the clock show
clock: 5:00:27
